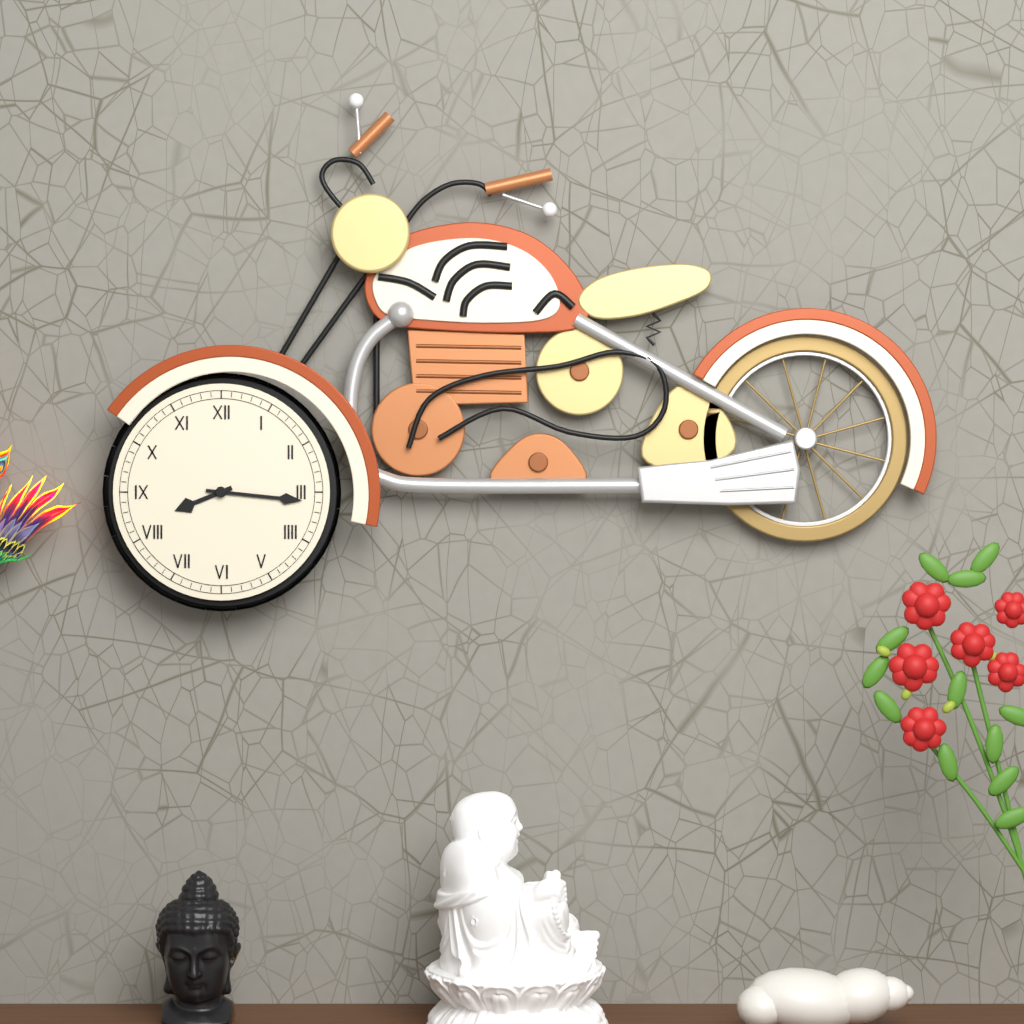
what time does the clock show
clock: 8:16
